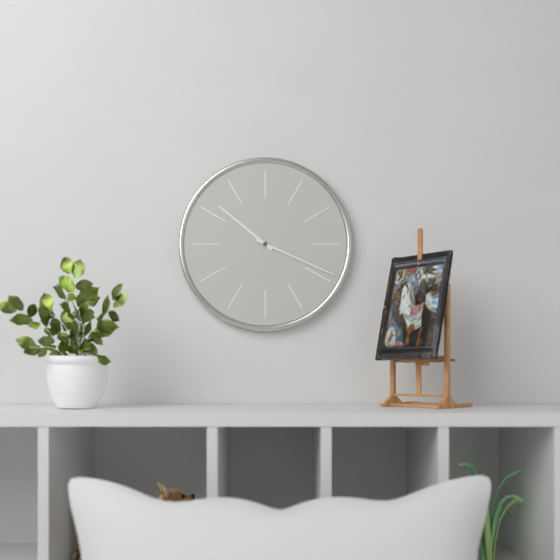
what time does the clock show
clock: 10:19
